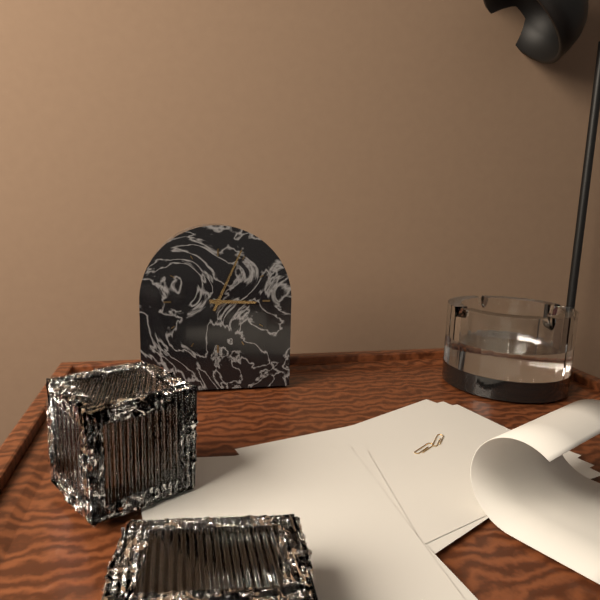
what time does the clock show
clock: 3:04
